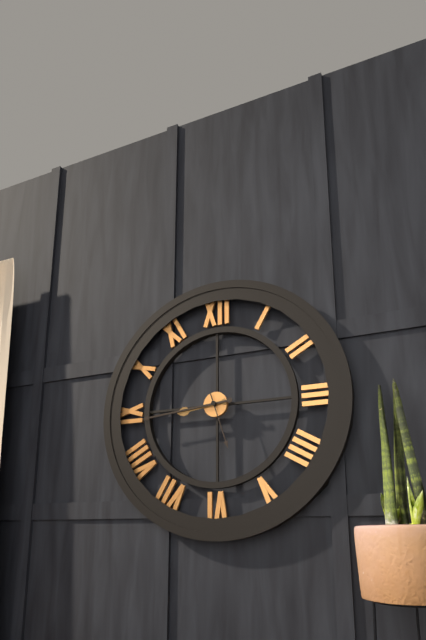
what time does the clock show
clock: 8:44:27
